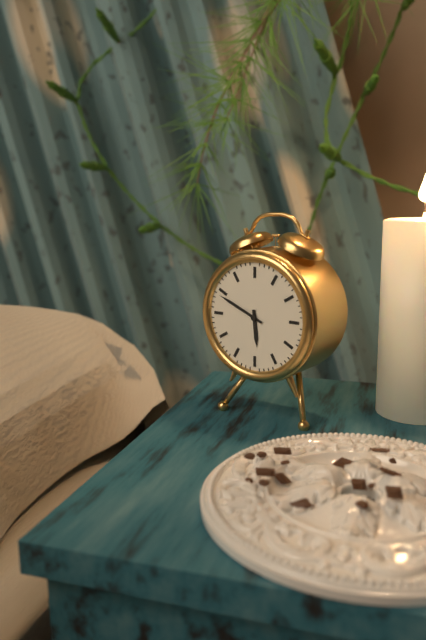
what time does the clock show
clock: 5:49
